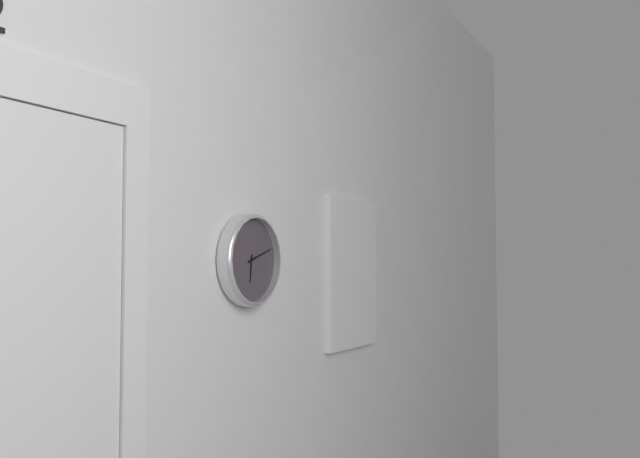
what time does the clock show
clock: 6:12
